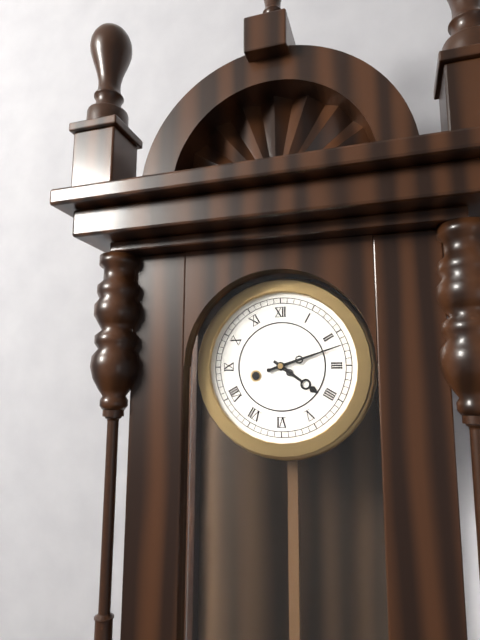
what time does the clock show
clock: 4:12
